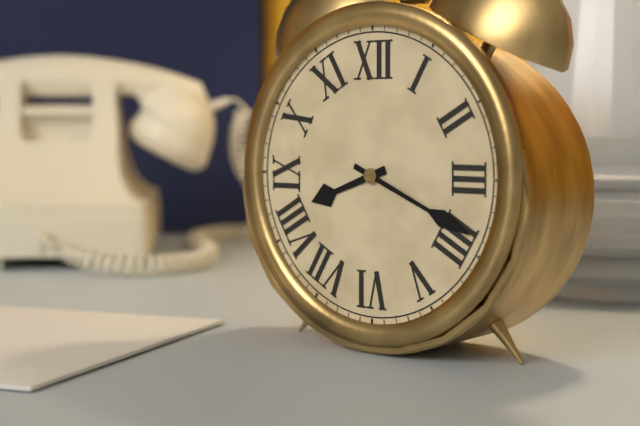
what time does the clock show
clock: 8:19
